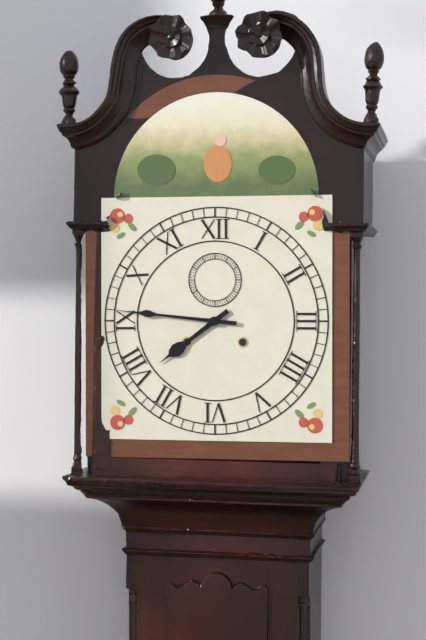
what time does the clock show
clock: 7:46
